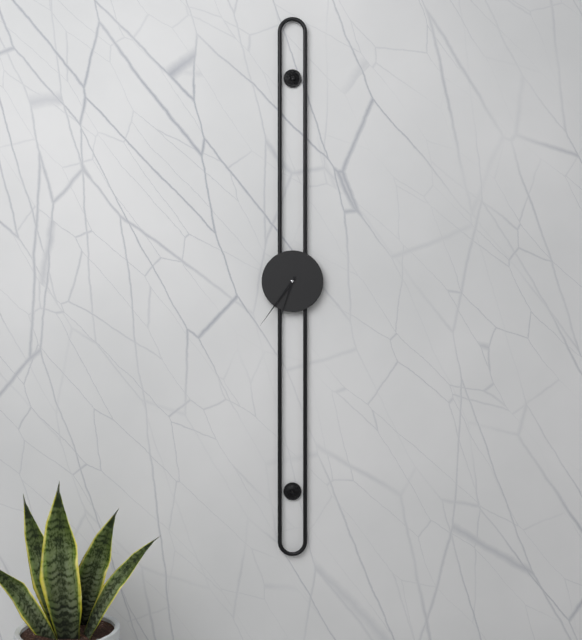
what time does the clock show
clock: 6:36
